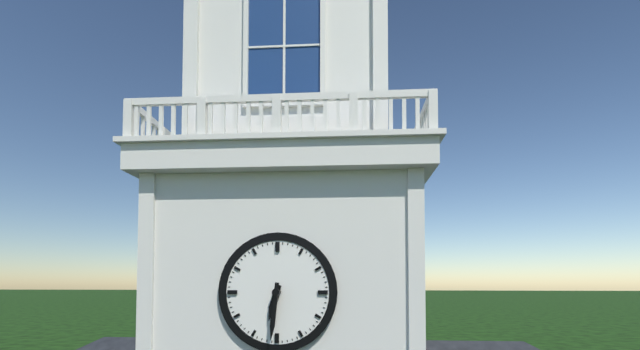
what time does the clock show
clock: 6:31
